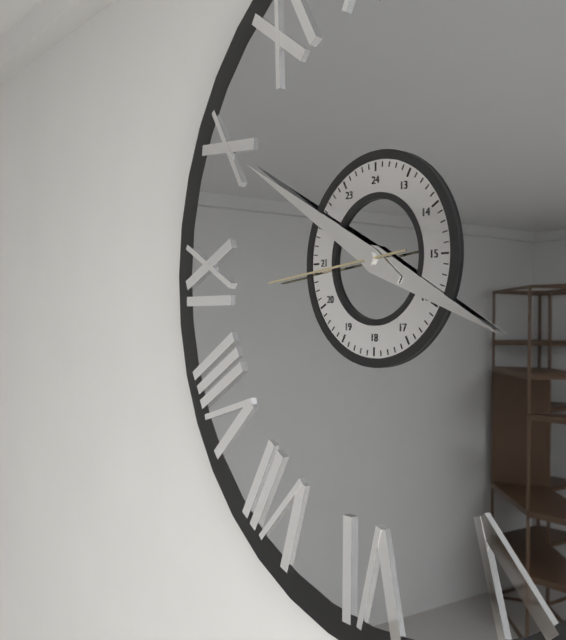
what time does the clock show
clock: 3:50:44
